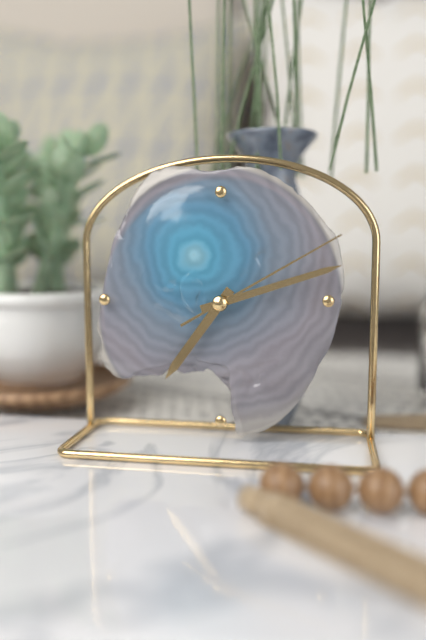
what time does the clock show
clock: 7:12:10
